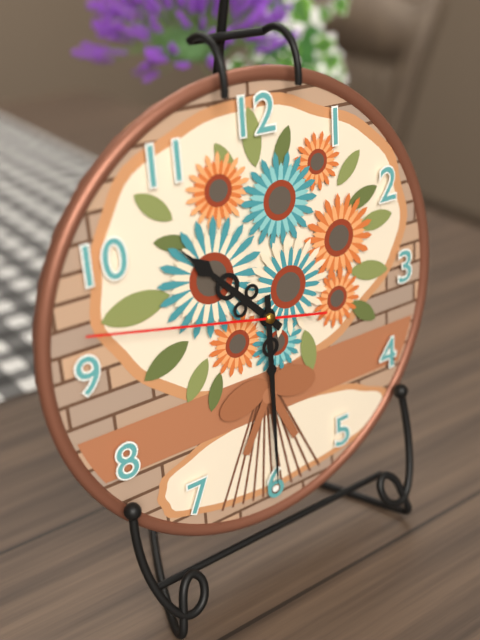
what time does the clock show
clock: 10:30:47
